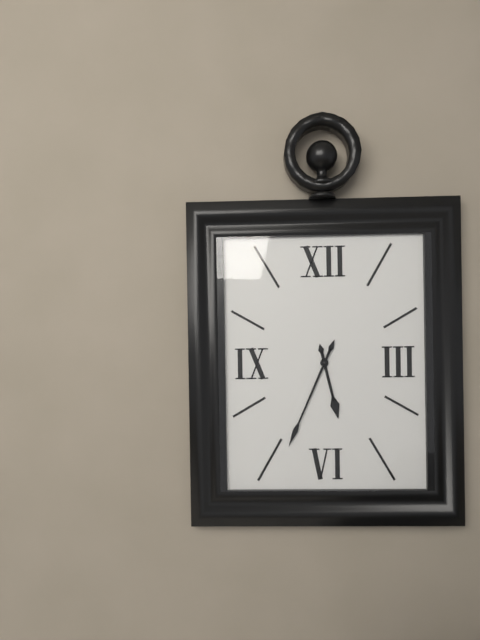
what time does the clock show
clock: 5:34
